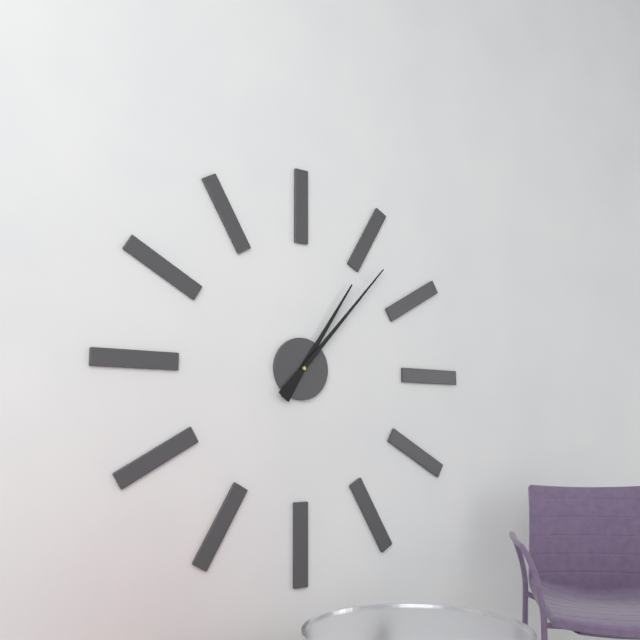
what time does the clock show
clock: 1:07
